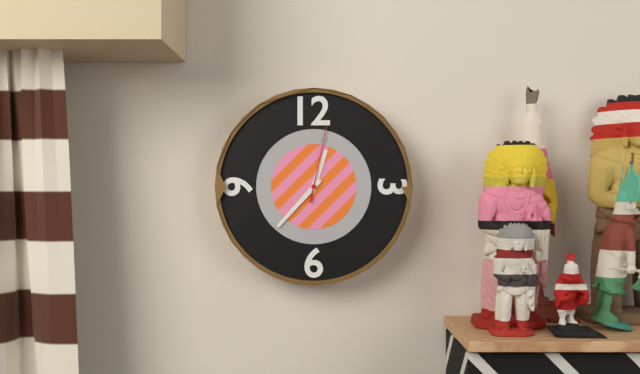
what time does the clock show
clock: 12:37:02
